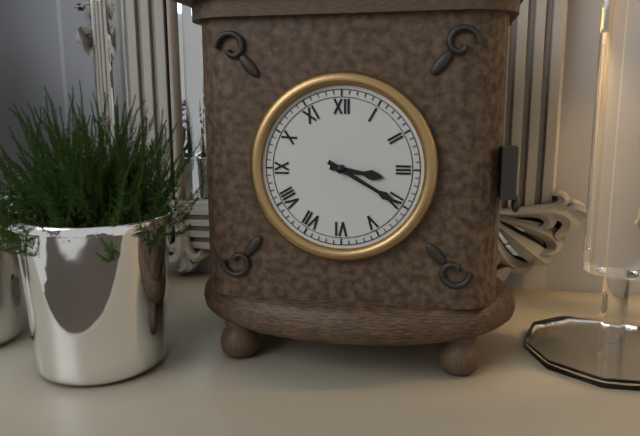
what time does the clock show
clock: 3:20
